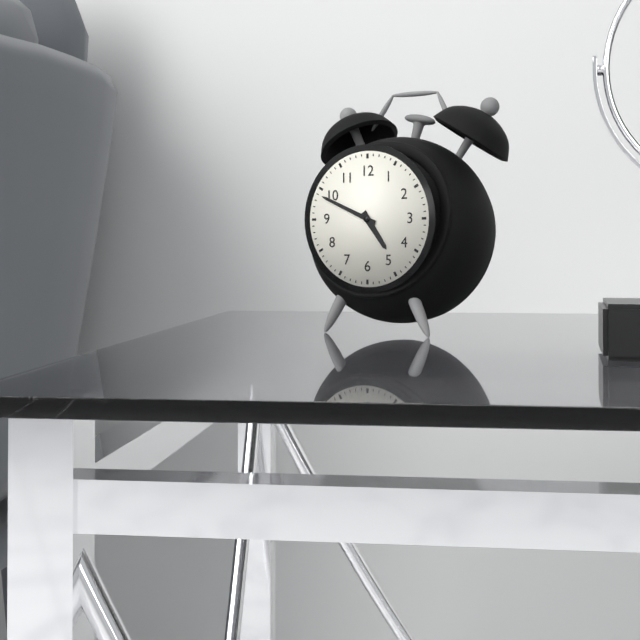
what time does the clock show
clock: 4:49
